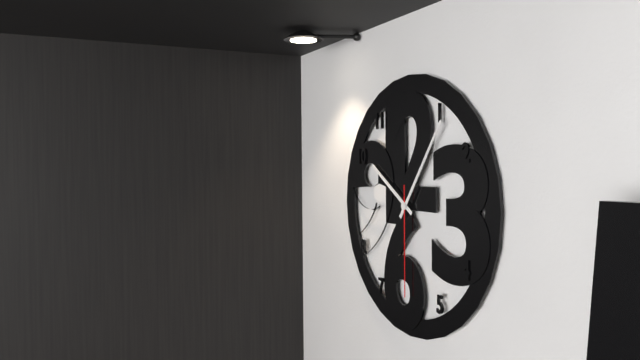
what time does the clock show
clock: 10:06:30
